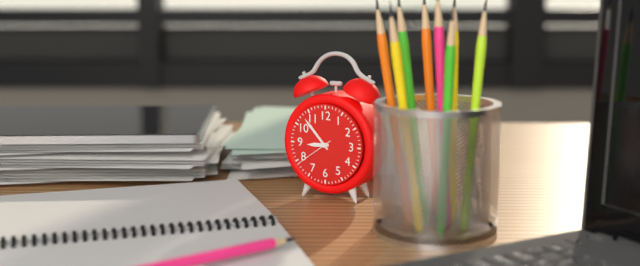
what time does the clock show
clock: 8:53
